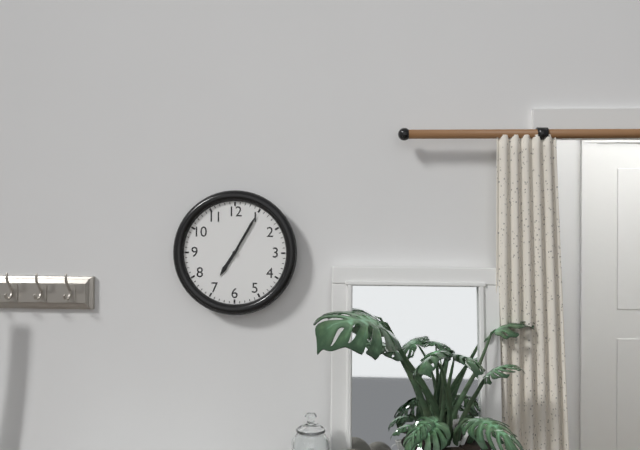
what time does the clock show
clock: 7:05
